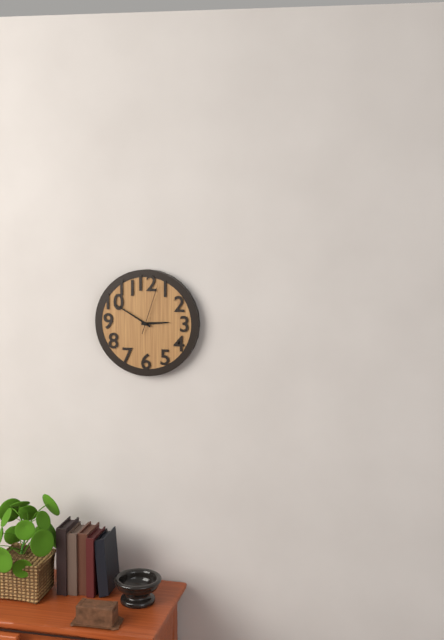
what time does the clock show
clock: 2:50:03
